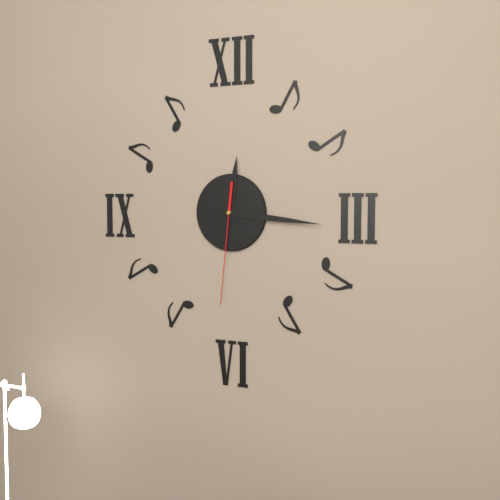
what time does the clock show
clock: 12:16:31
